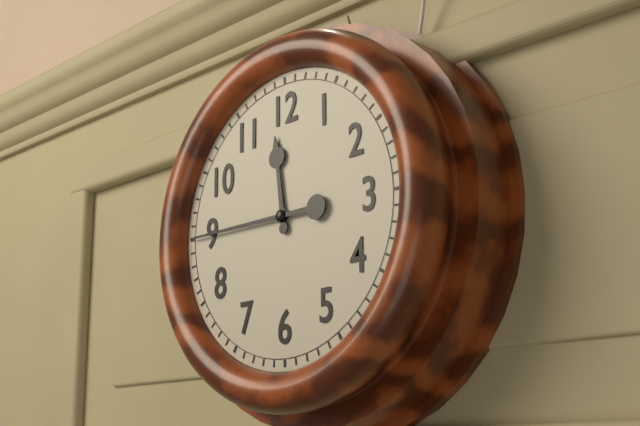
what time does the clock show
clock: 11:45
